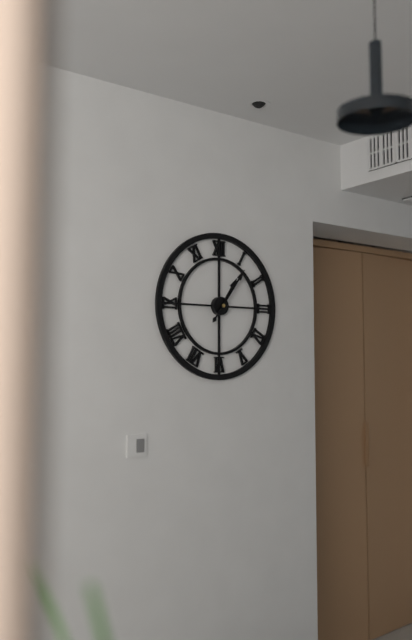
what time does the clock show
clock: 1:06
